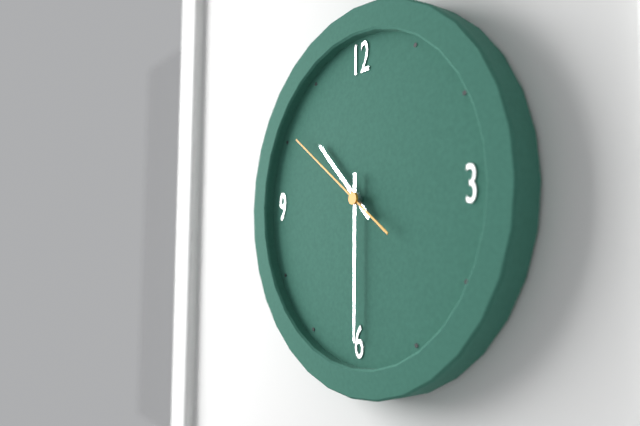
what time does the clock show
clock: 10:30:51
